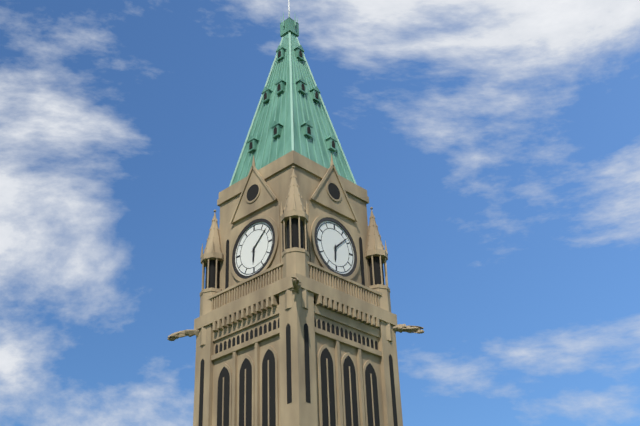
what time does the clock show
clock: 6:08
